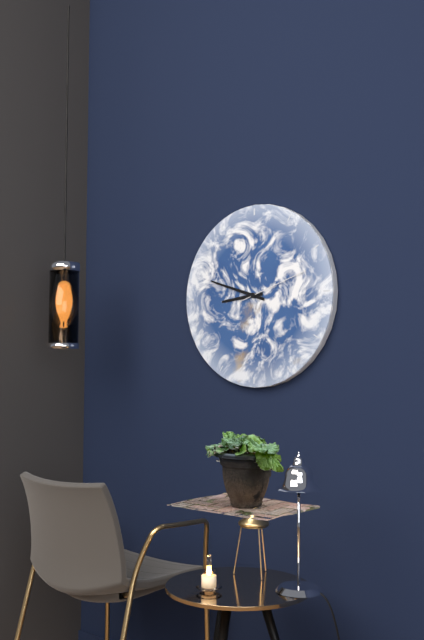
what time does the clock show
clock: 8:48:12
